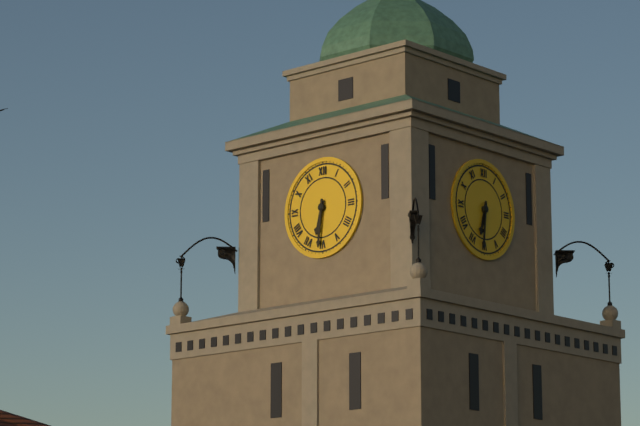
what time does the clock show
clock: 6:31
